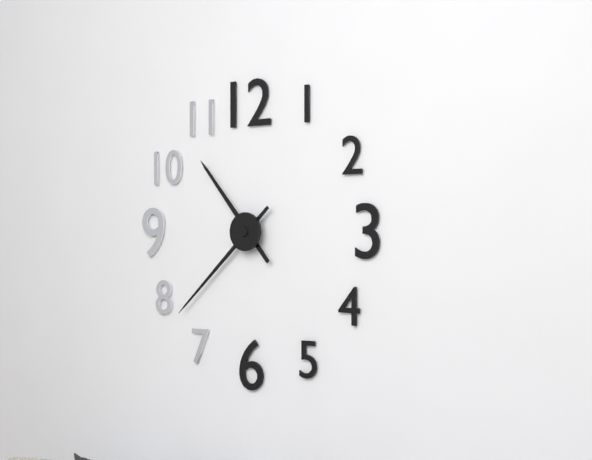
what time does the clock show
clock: 10:38
